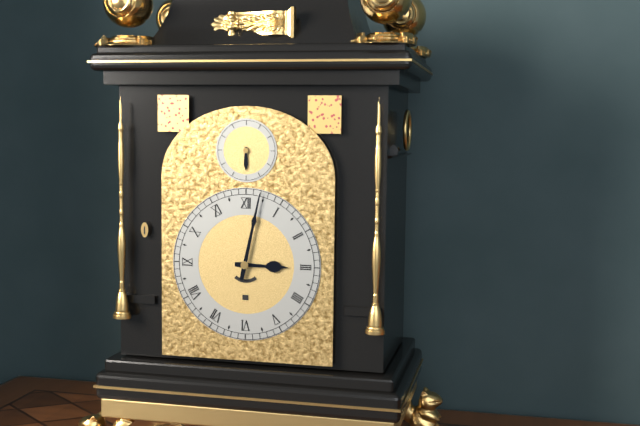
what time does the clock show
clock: 3:02
